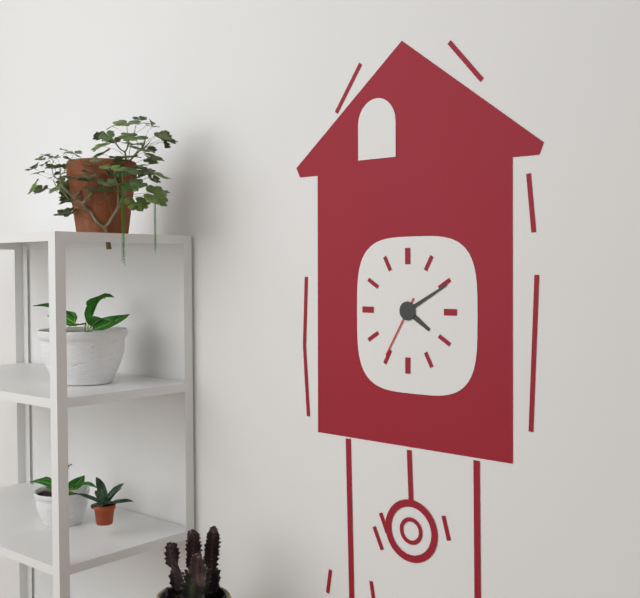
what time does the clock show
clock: 4:10:35
